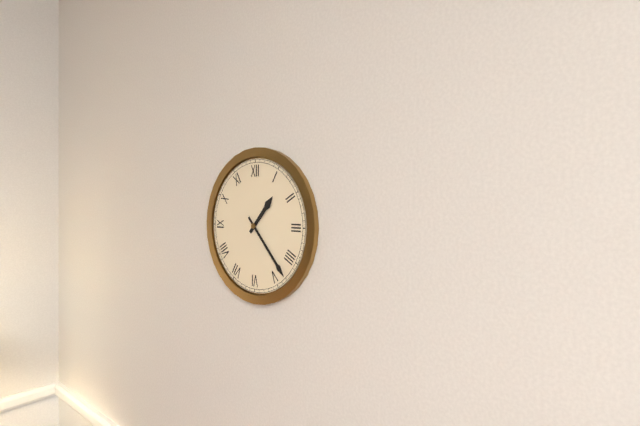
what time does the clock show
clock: 1:23
